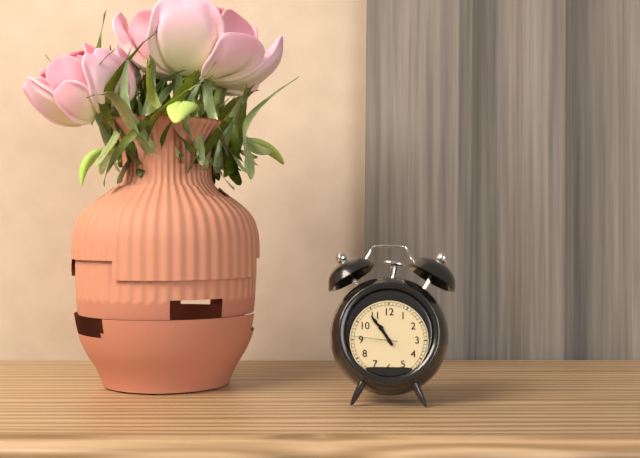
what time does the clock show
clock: 10:54
